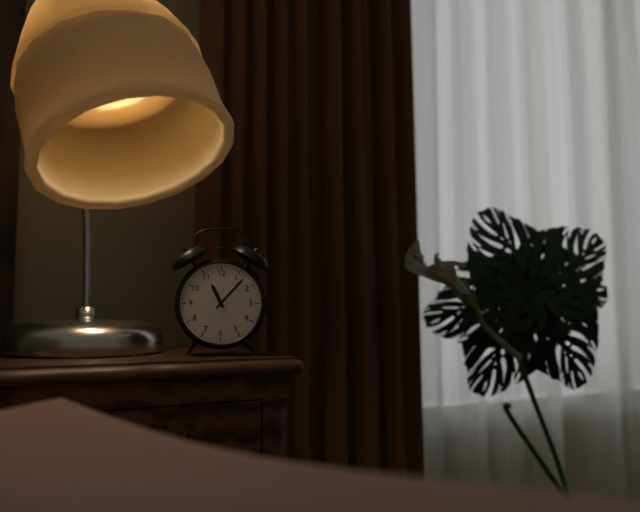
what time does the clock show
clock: 11:07
